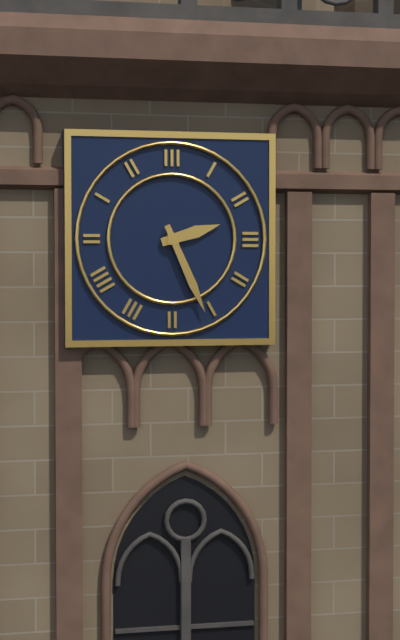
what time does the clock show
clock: 2:26
